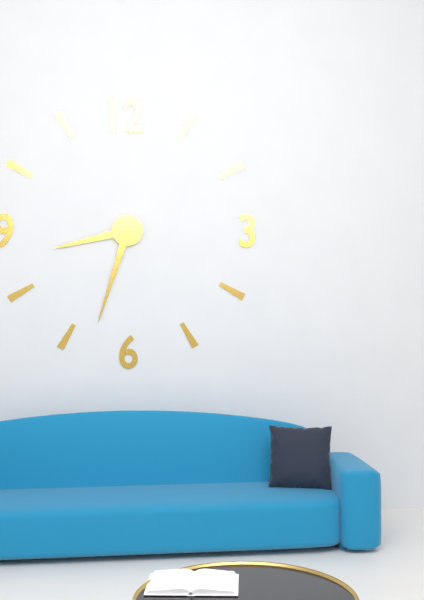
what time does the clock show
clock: 8:33
